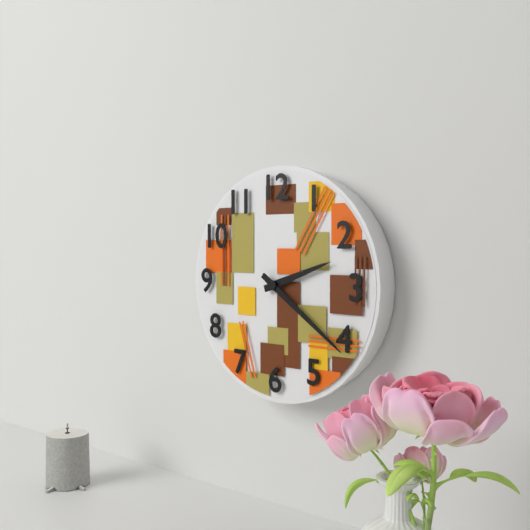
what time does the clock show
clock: 2:21
